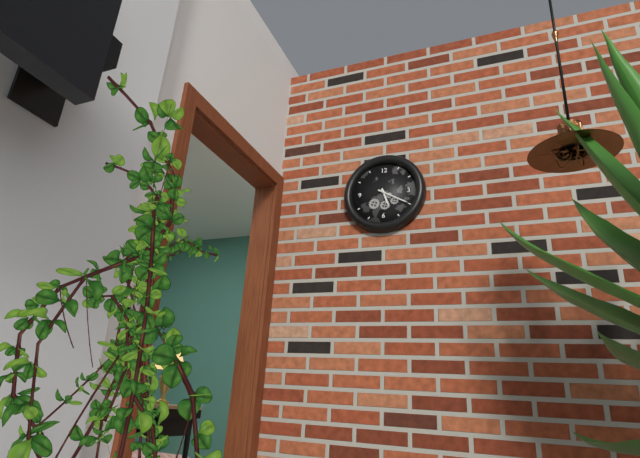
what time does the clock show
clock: 5:20
